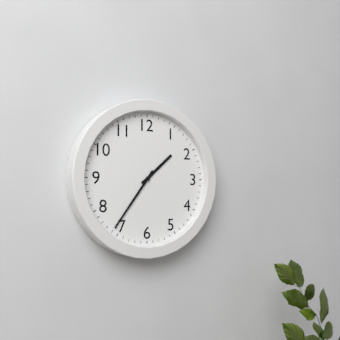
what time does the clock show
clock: 1:36
